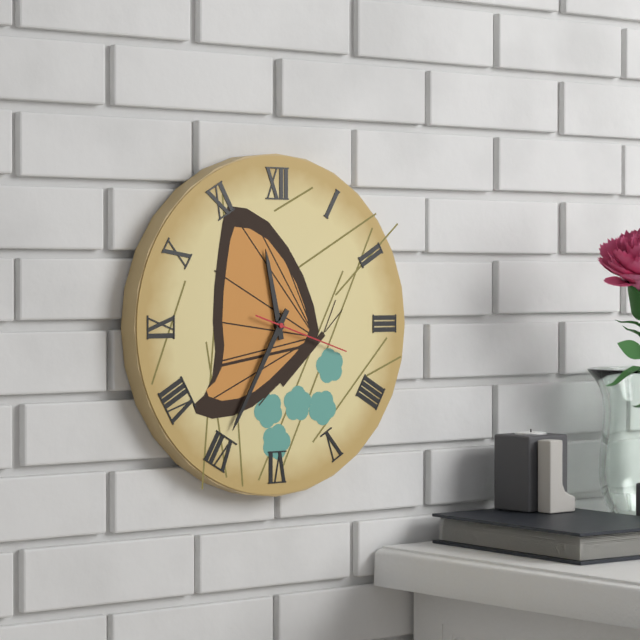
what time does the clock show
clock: 11:35:18
